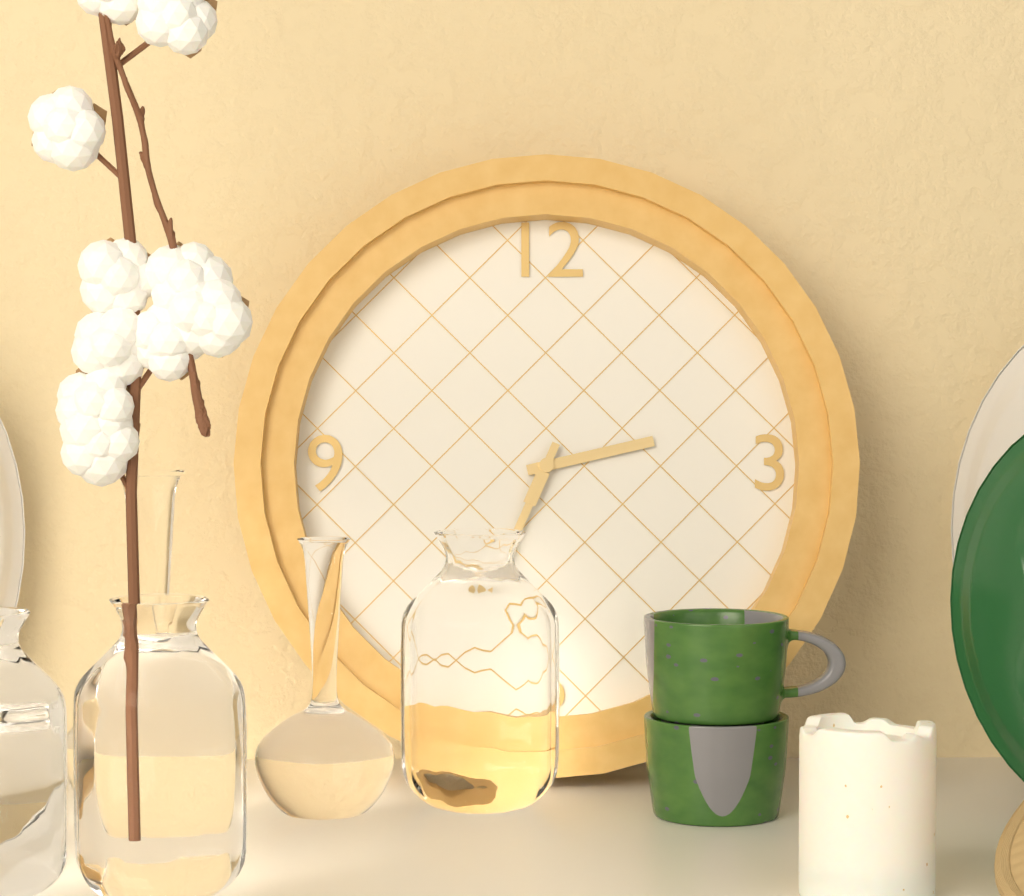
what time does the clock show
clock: 2:34
